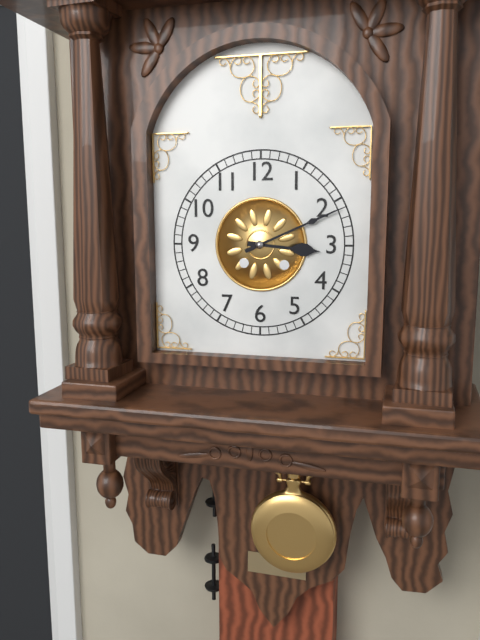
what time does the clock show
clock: 3:11
